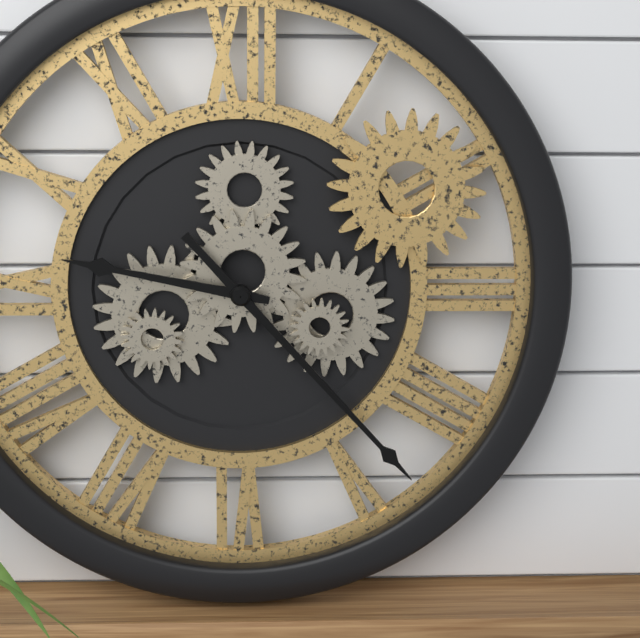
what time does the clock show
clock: 9:23
